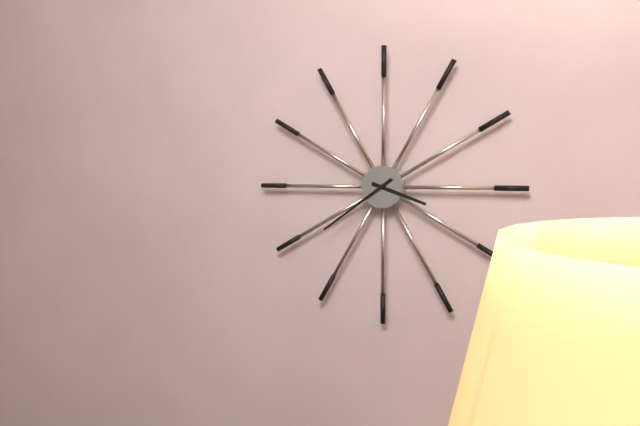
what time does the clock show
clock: 3:39
